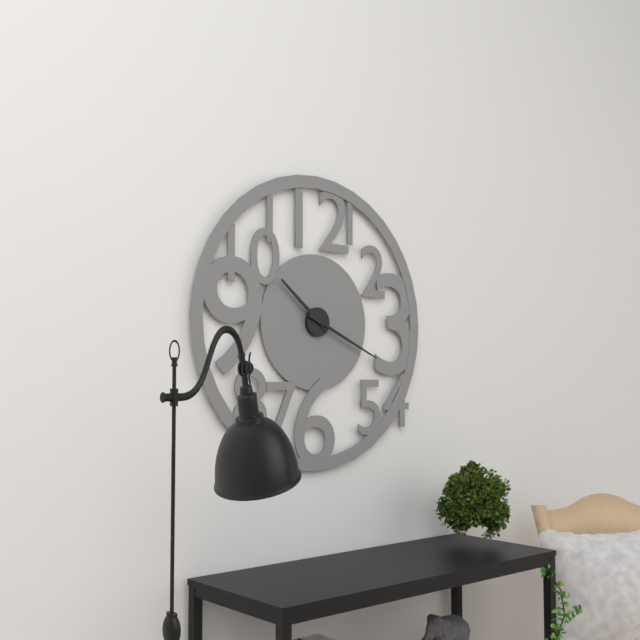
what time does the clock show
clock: 10:19
